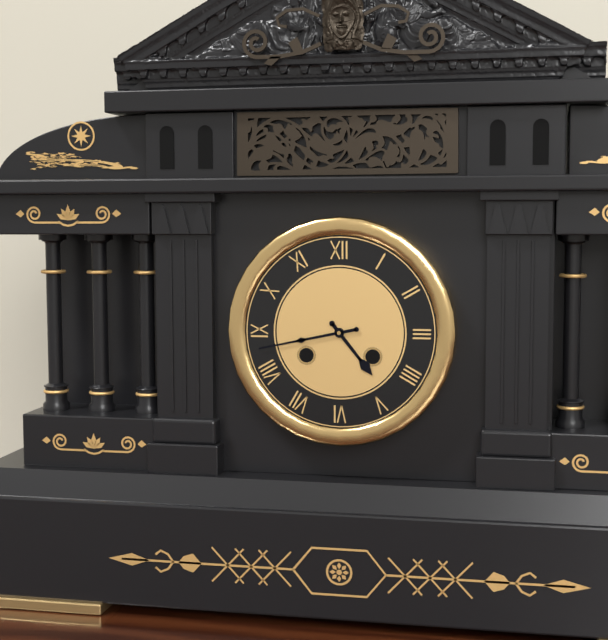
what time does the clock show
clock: 4:43
